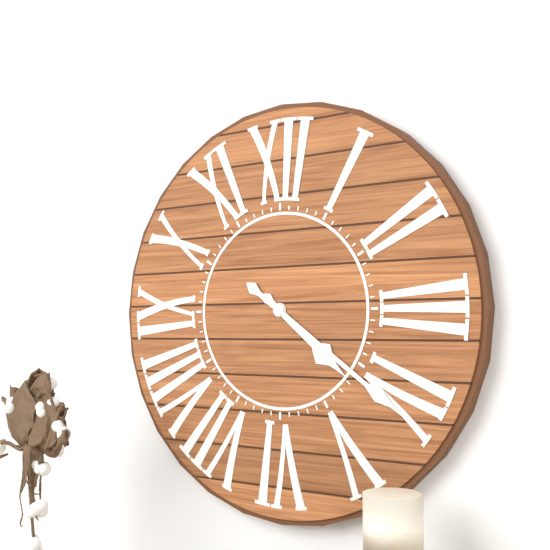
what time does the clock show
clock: 4:21
